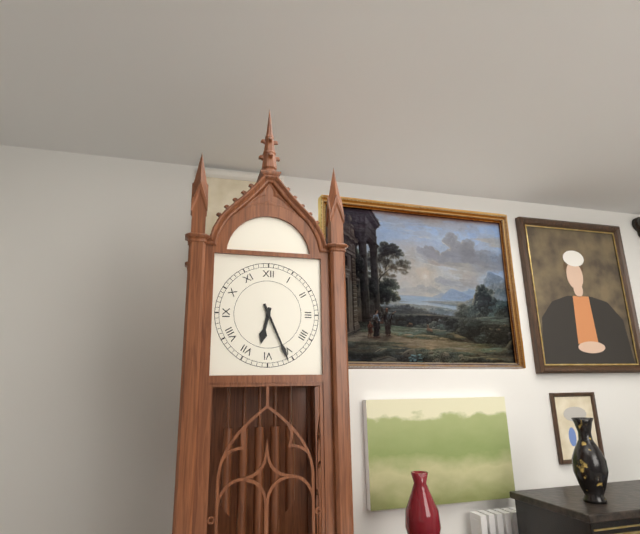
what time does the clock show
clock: 6:26
